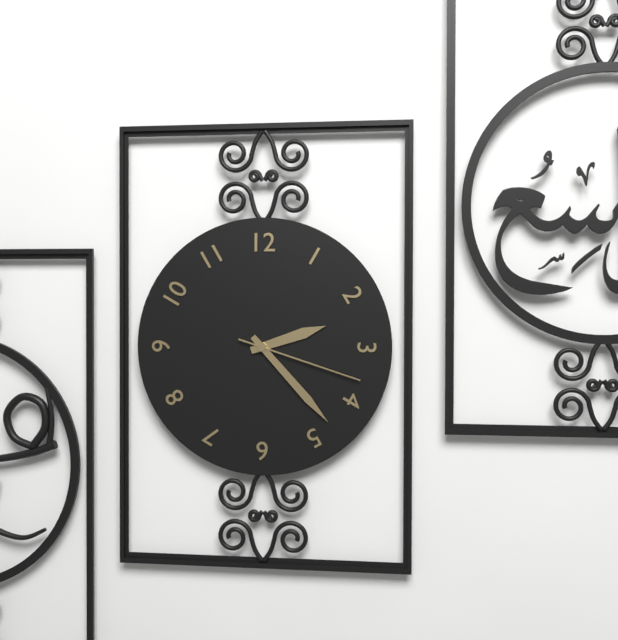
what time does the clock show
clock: 2:23:18
